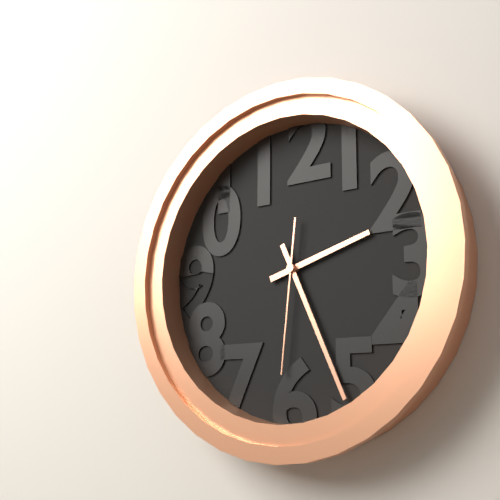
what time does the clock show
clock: 2:26:31
